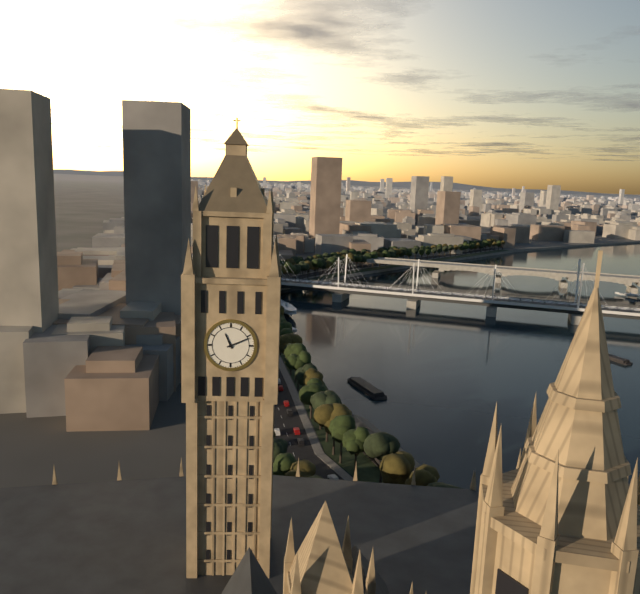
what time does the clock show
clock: 11:11
